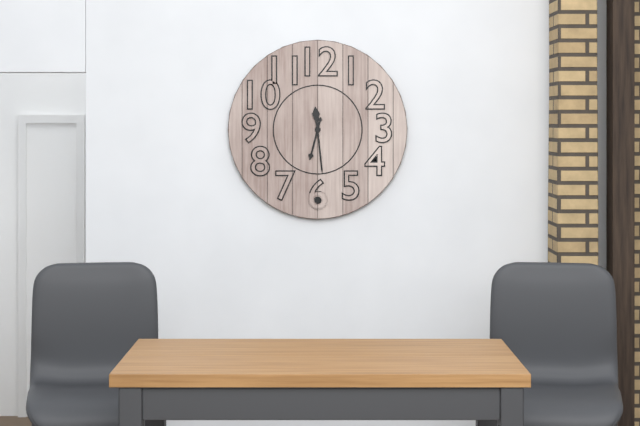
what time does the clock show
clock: 6:29
